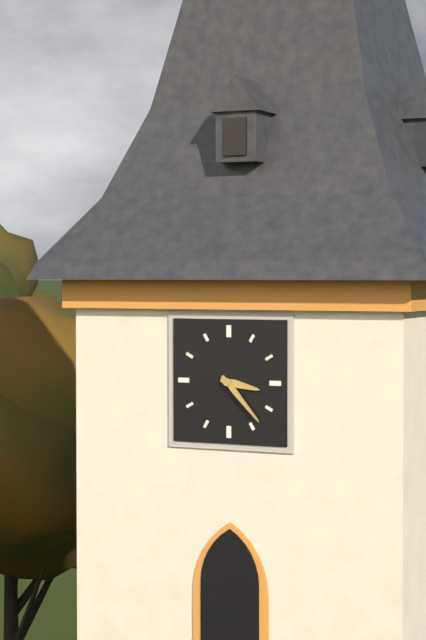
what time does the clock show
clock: 3:23
